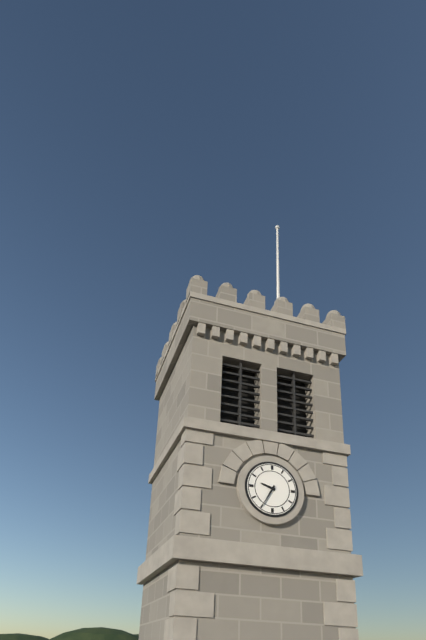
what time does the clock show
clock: 9:35
